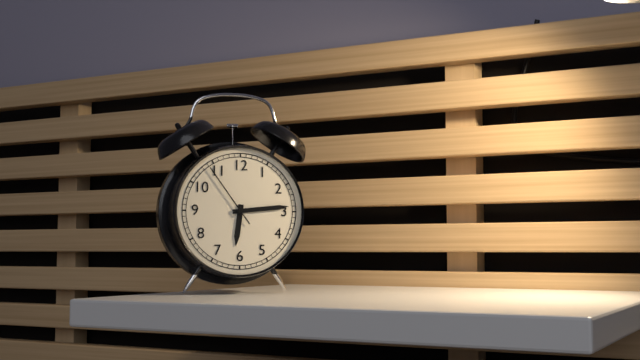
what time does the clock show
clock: 6:14:54
